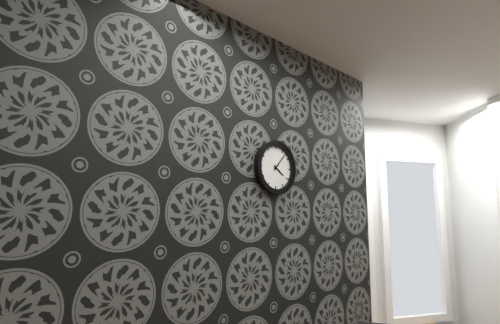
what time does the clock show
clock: 4:07
